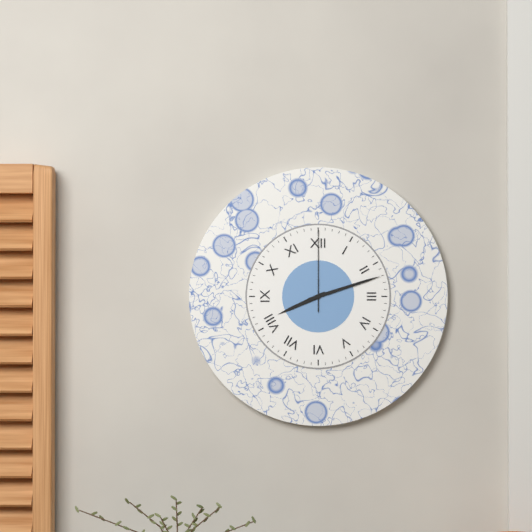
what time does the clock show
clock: 8:12:00
